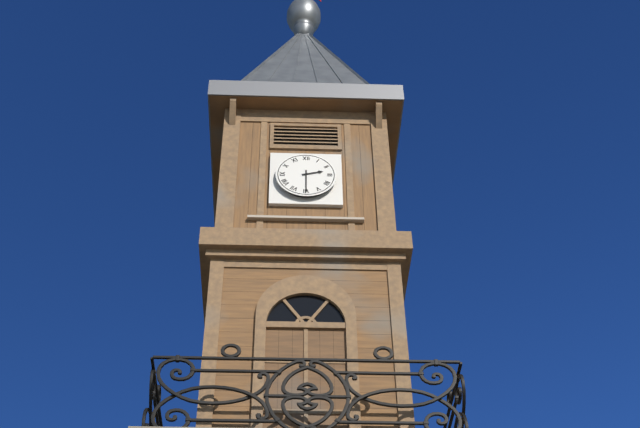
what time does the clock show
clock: 2:30
